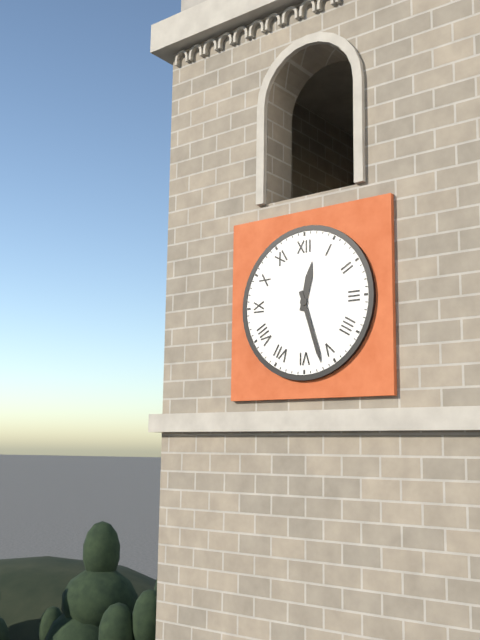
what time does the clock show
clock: 12:27
